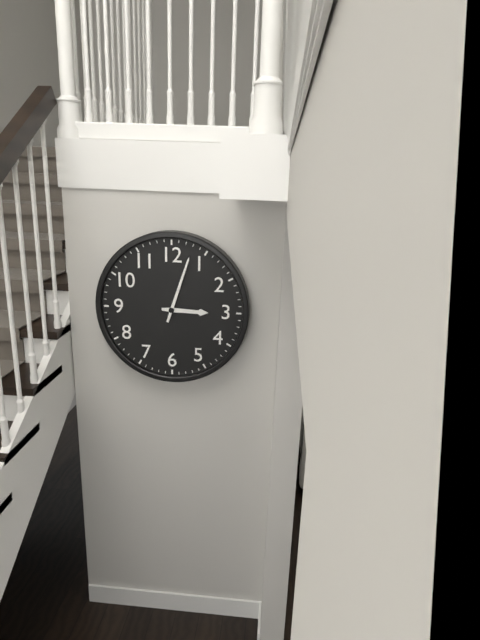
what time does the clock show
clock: 3:03
